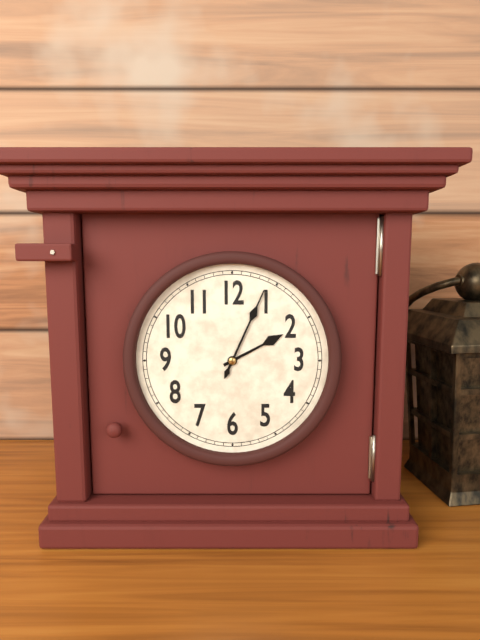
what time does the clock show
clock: 2:04
